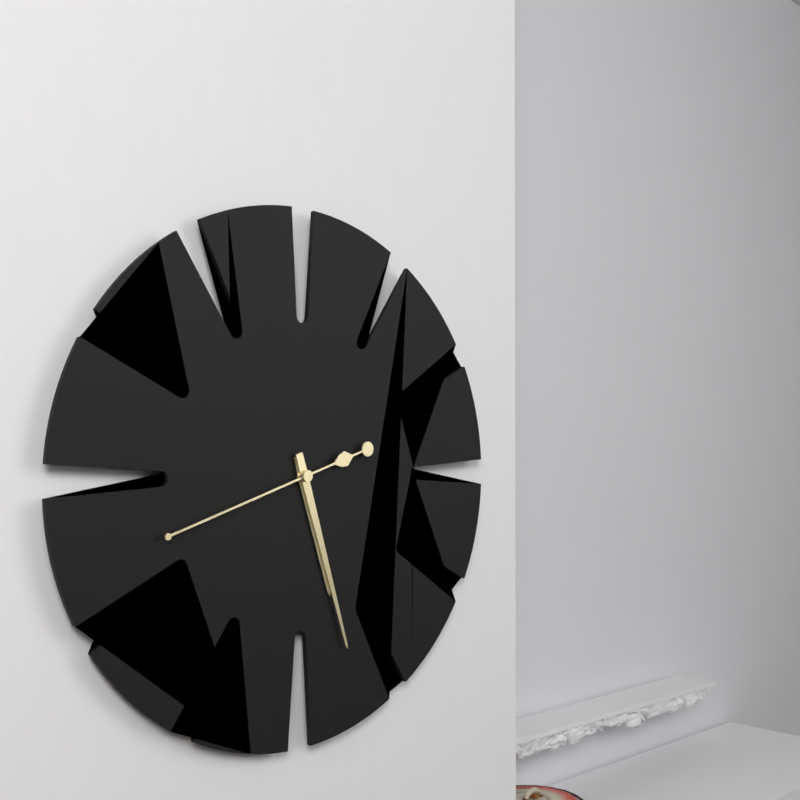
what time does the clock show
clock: 5:27:42
